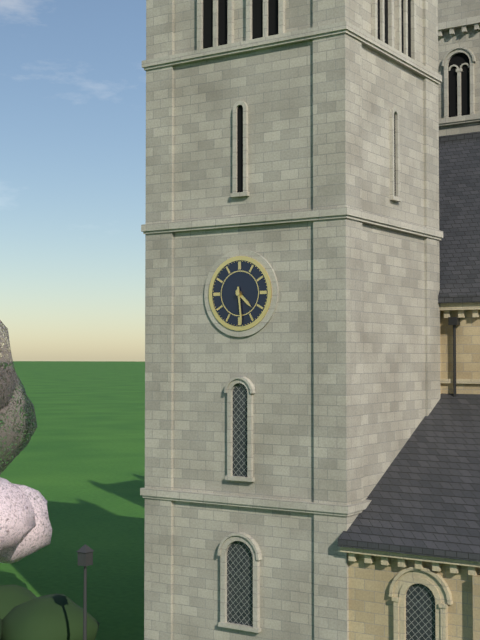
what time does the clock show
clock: 4:29
